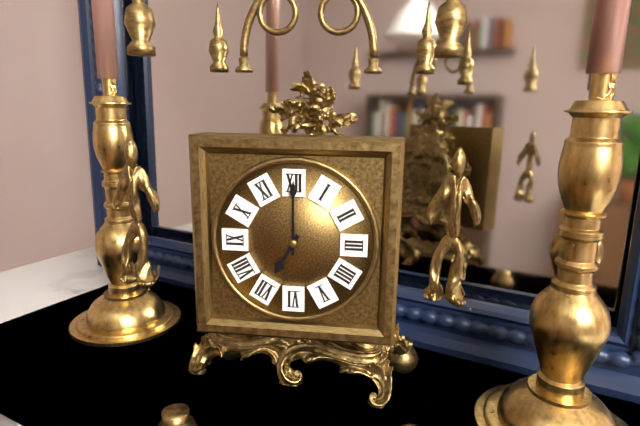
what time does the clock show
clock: 7:00
